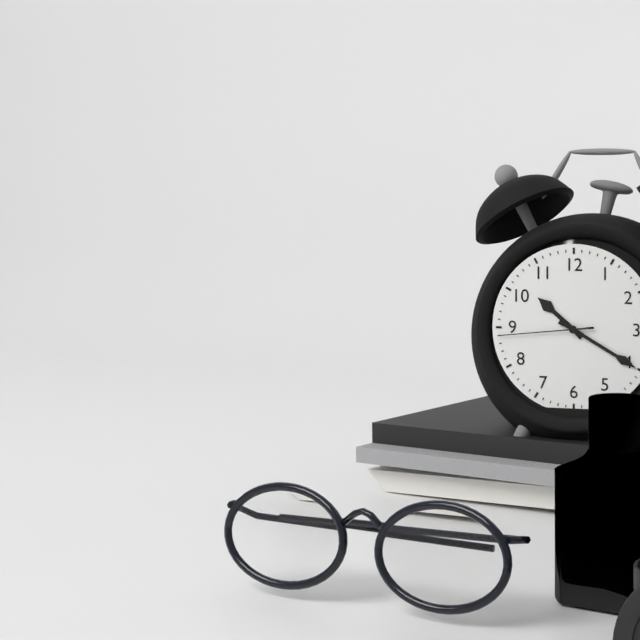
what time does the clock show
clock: 10:20:44
